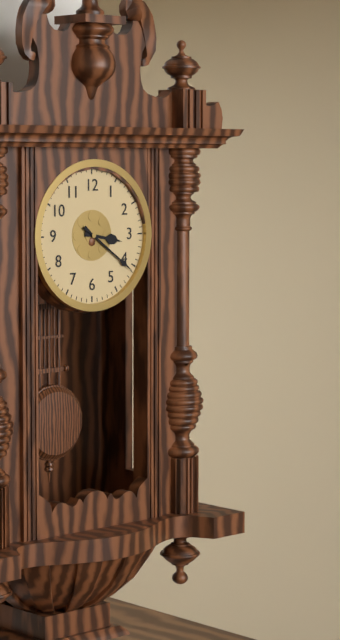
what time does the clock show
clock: 3:21
